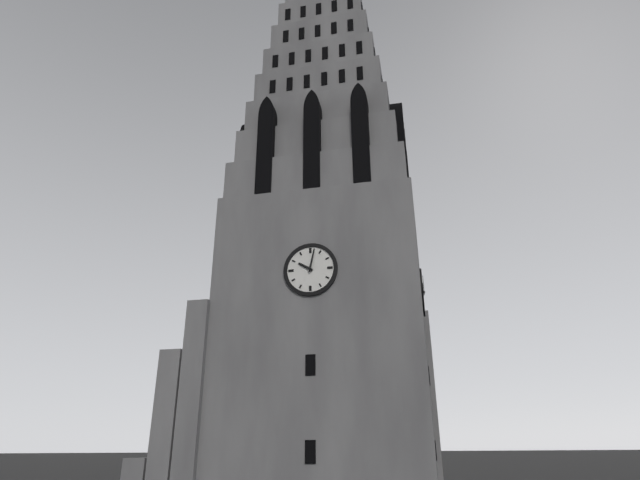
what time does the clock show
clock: 10:02
